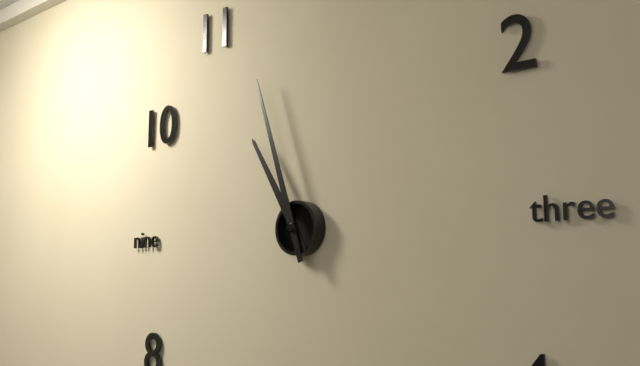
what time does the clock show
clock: 10:57
